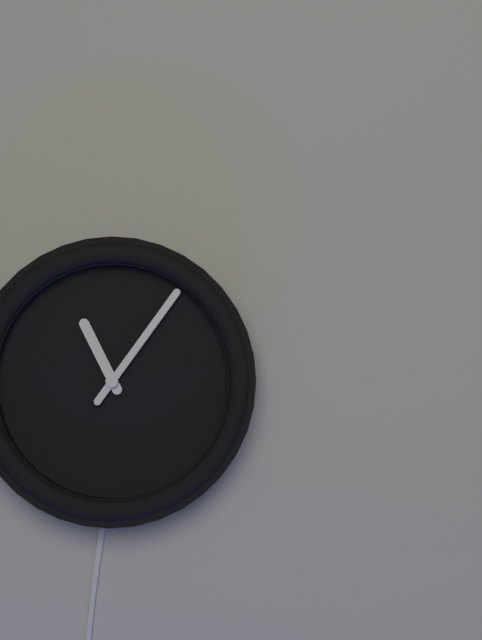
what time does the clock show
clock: 11:06
